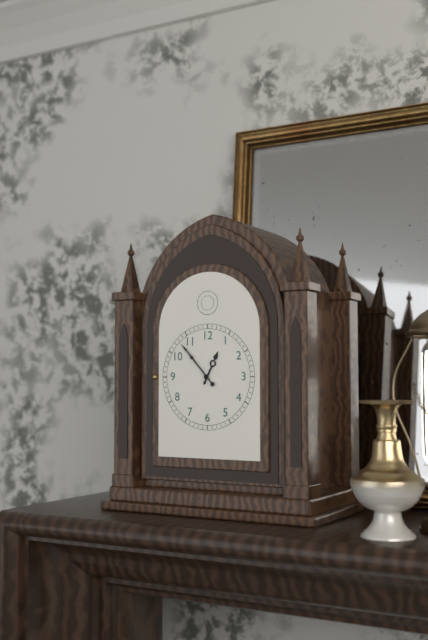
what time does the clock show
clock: 12:53
